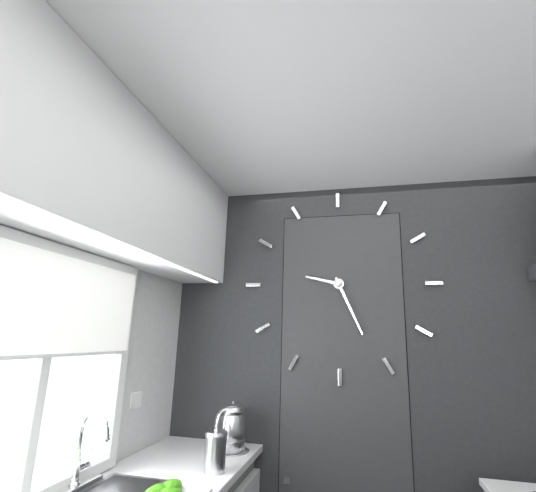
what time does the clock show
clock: 9:26
